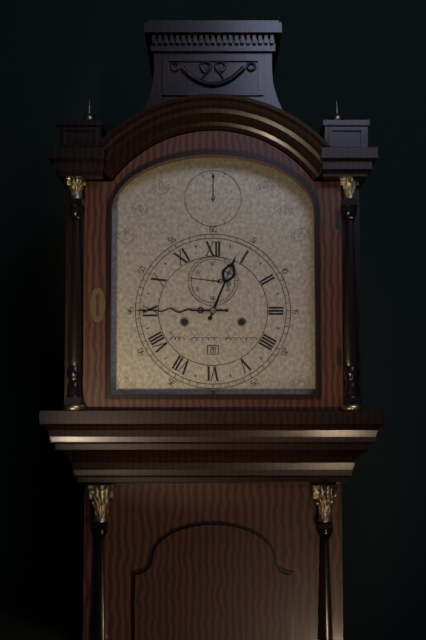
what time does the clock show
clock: 12:45
